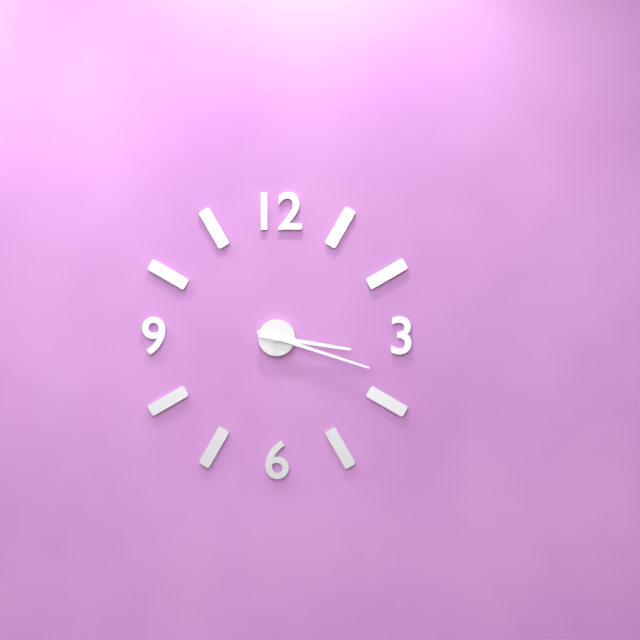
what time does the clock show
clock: 3:18
